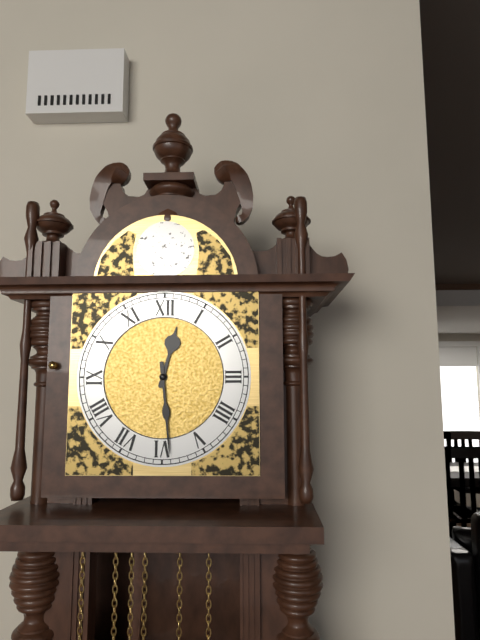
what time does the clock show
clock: 12:29
